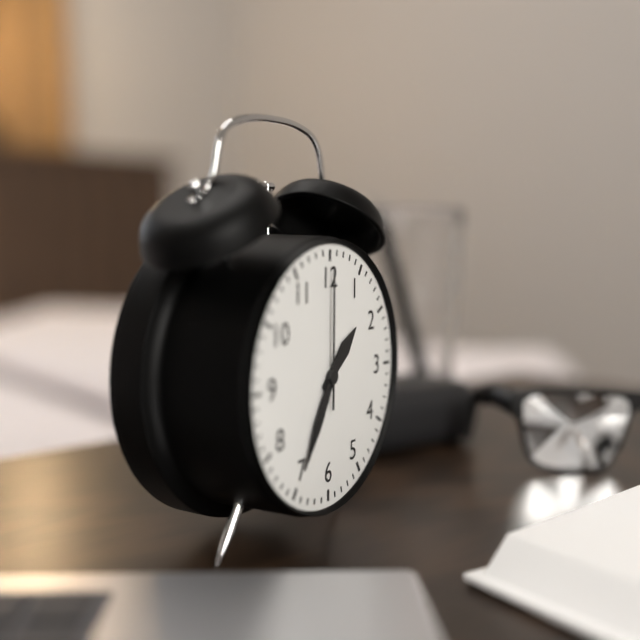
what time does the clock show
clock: 1:35:00
